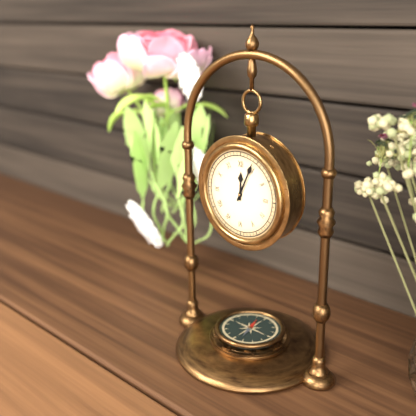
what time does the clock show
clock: 12:04
